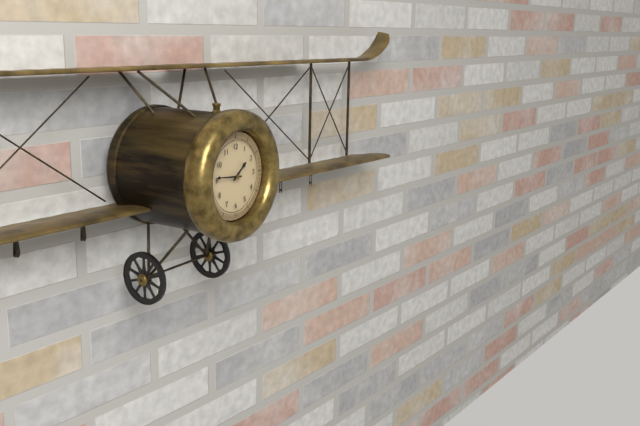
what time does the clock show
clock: 1:46
